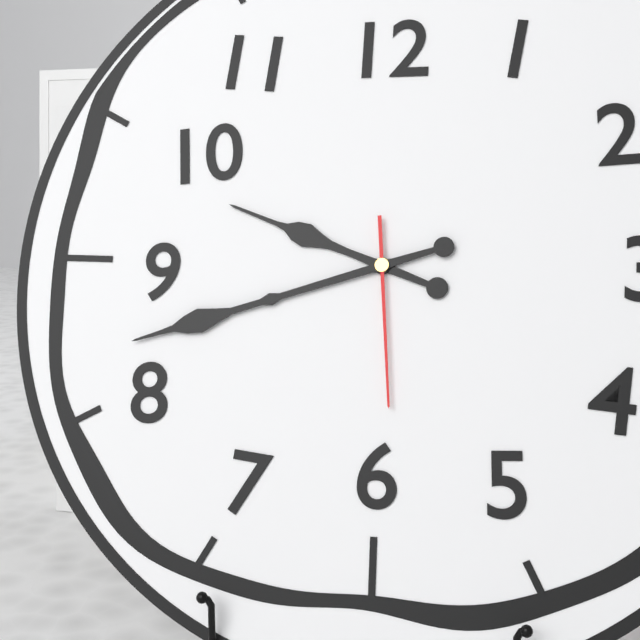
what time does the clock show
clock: 9:42:29
